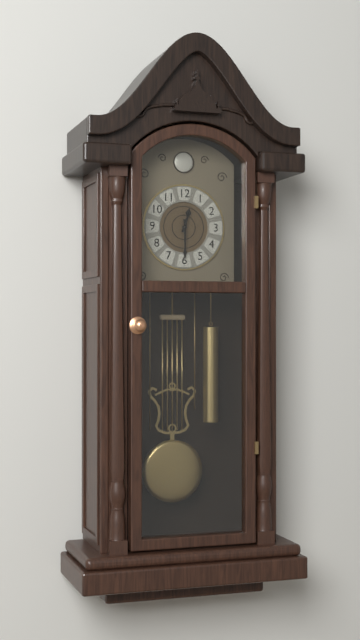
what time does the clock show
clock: 12:30
